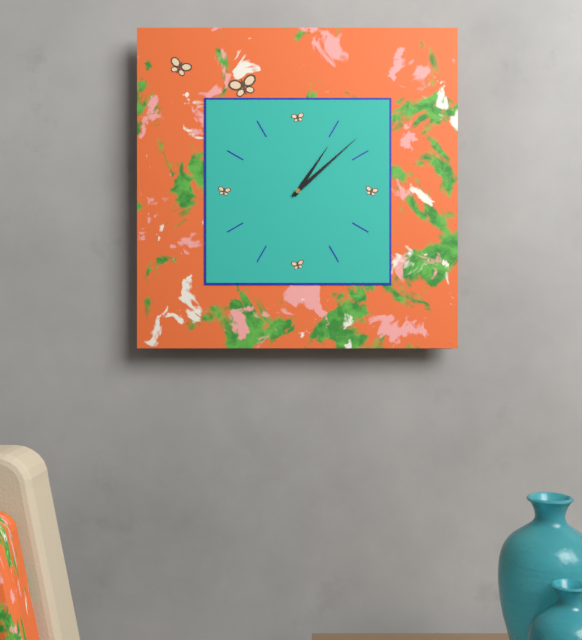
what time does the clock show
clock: 1:08
